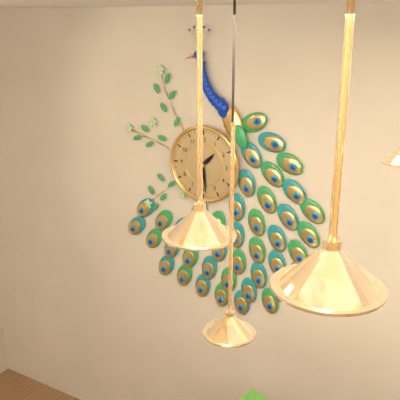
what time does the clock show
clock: 1:29
